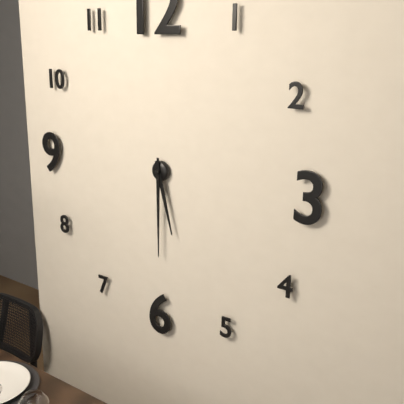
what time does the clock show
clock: 5:30
